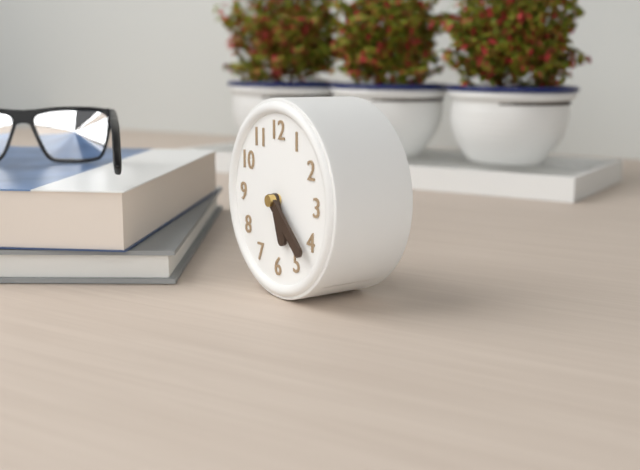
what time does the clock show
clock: 5:22
